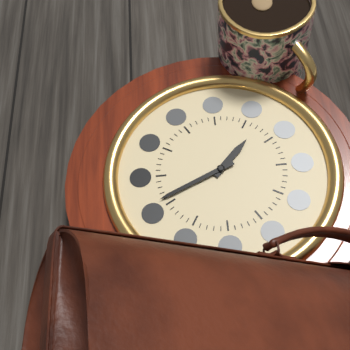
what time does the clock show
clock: 10:26
